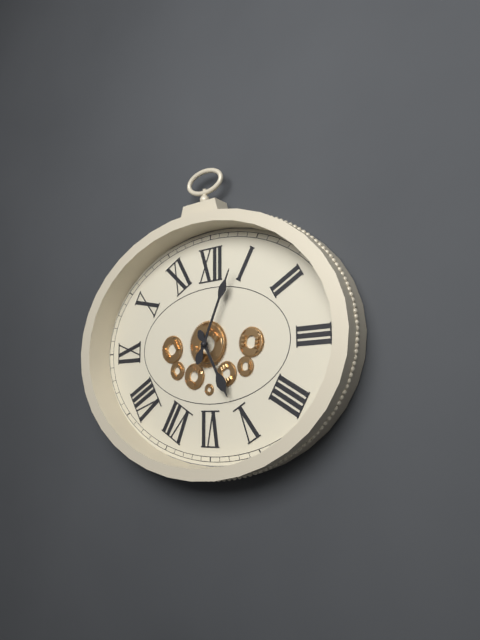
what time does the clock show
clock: 5:04
